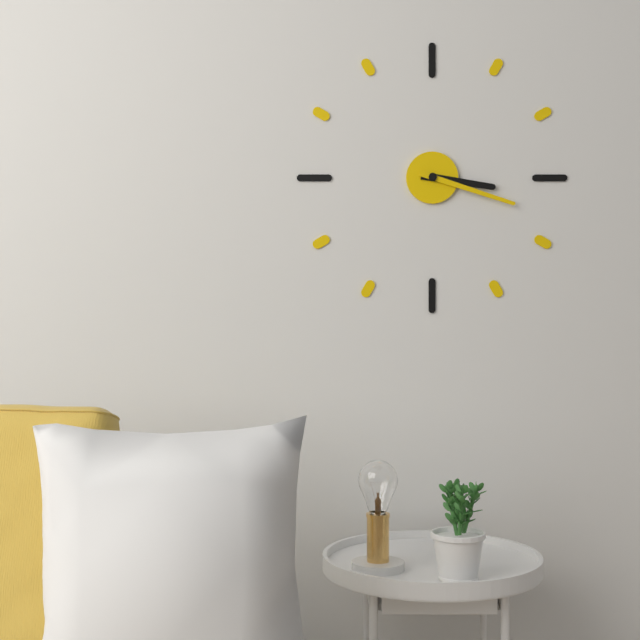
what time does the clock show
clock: 3:18
